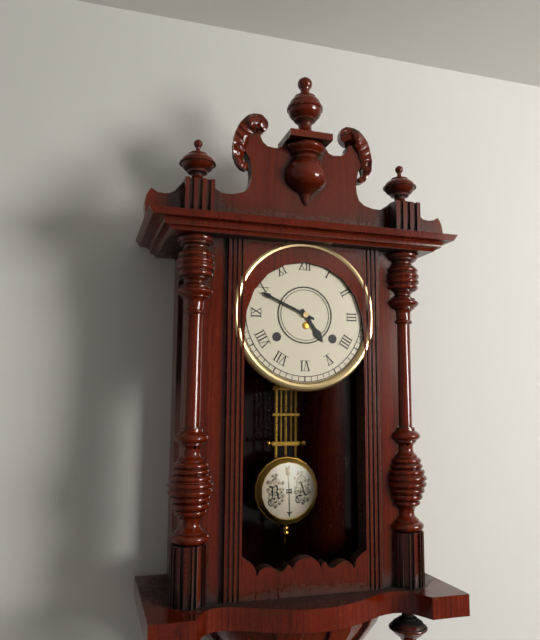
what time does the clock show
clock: 4:49
